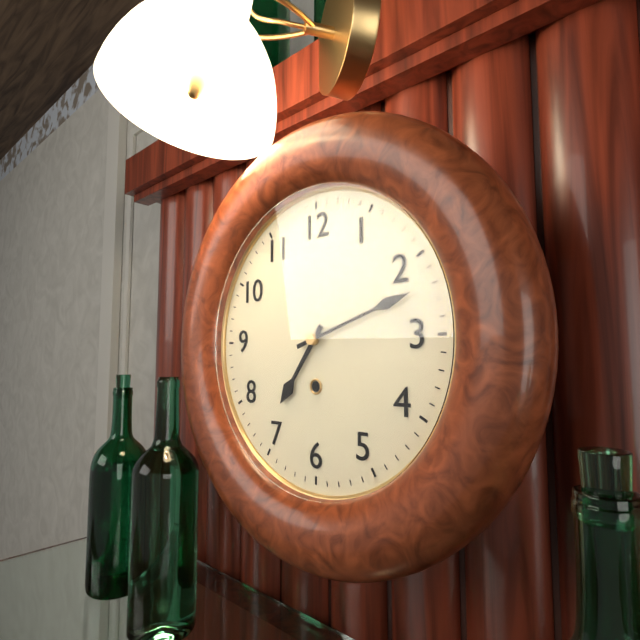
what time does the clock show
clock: 7:12
